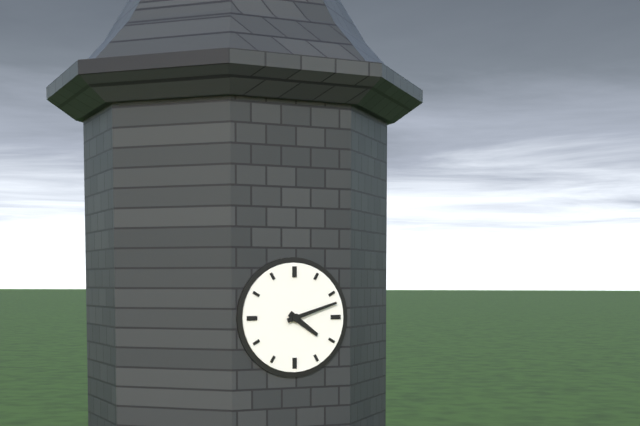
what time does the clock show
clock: 4:12
